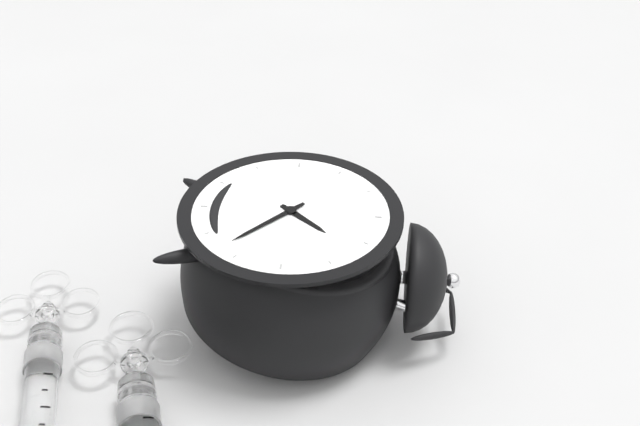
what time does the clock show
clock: 1:22
